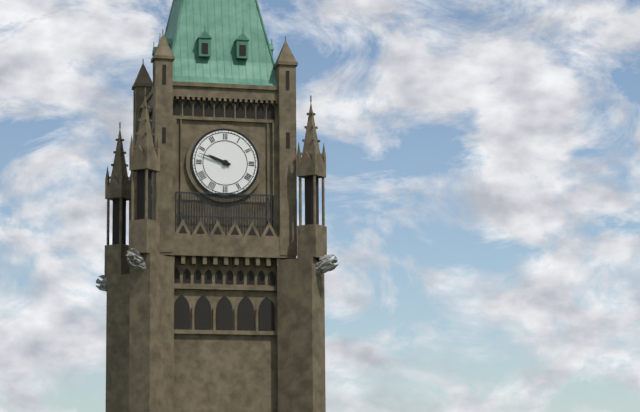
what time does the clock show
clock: 9:48
